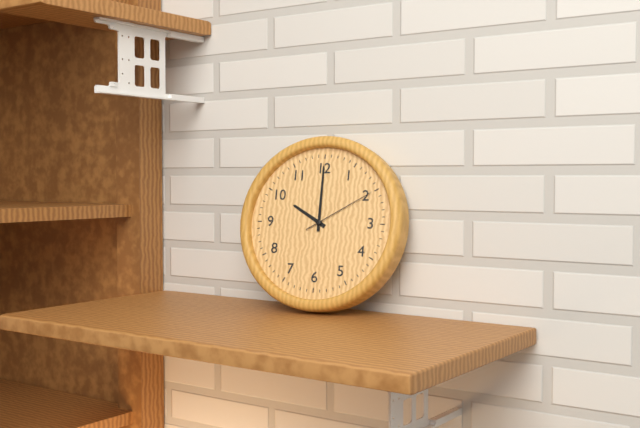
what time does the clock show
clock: 10:00:10
